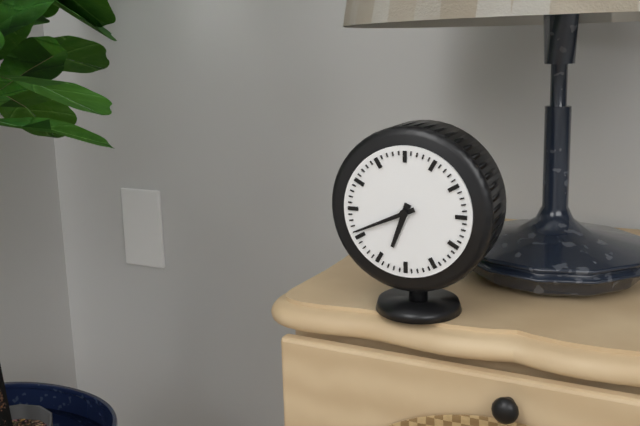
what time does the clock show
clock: 6:41
